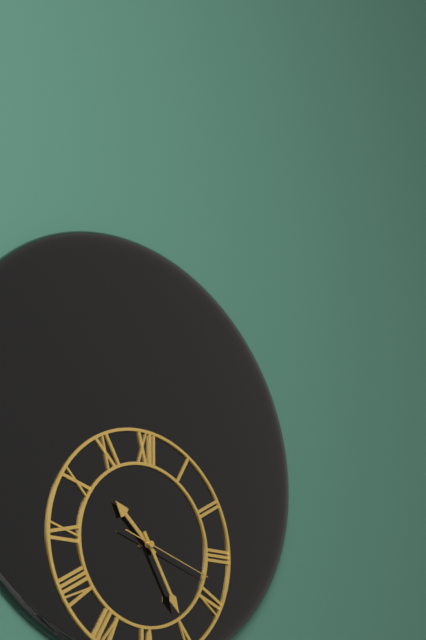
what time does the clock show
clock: 10:25:18
